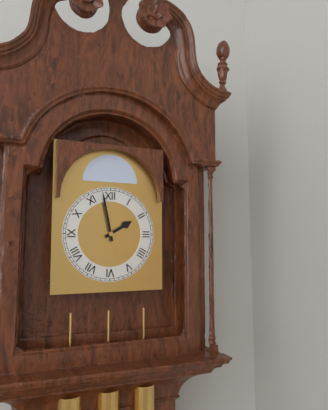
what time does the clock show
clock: 1:58
